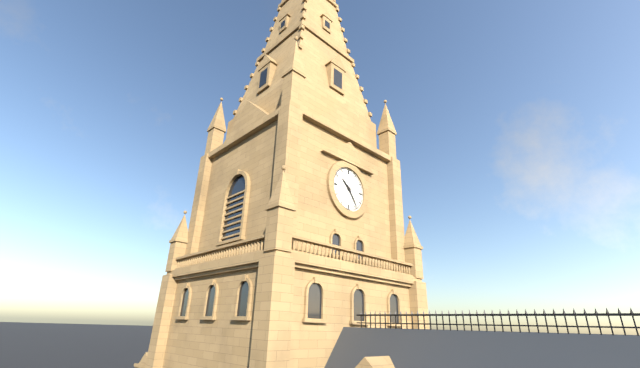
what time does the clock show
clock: 10:24
